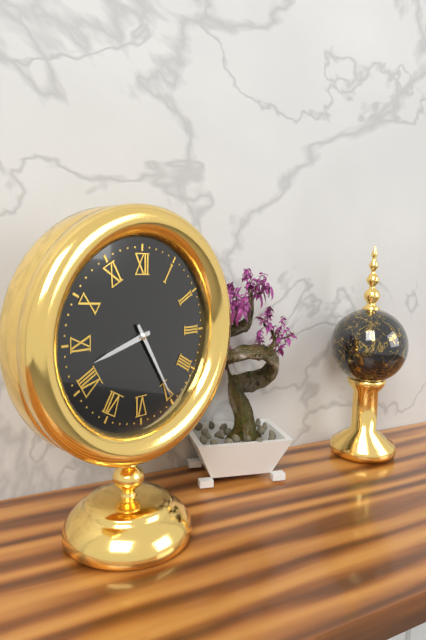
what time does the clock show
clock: 8:25
